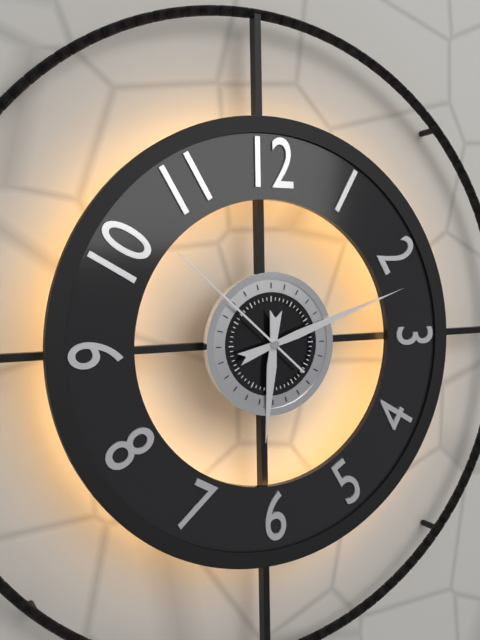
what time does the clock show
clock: 6:12:52
